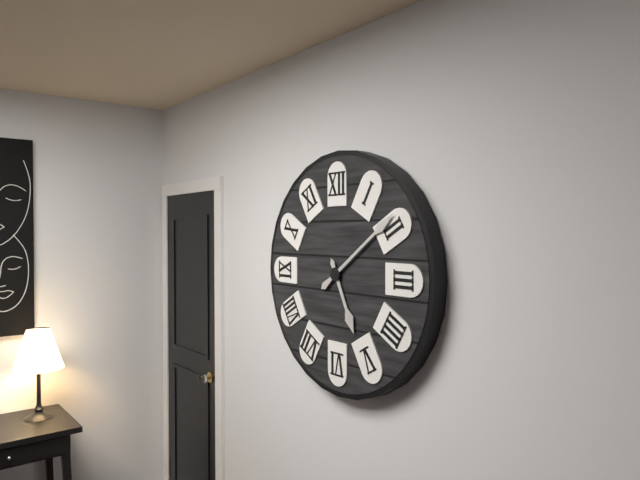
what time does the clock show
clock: 5:09
